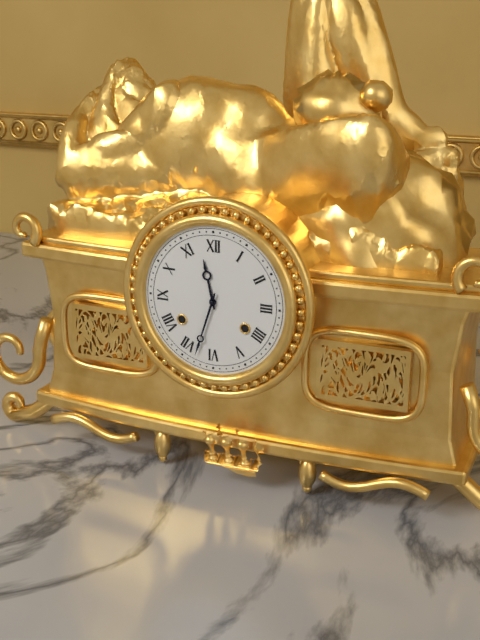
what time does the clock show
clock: 11:33
